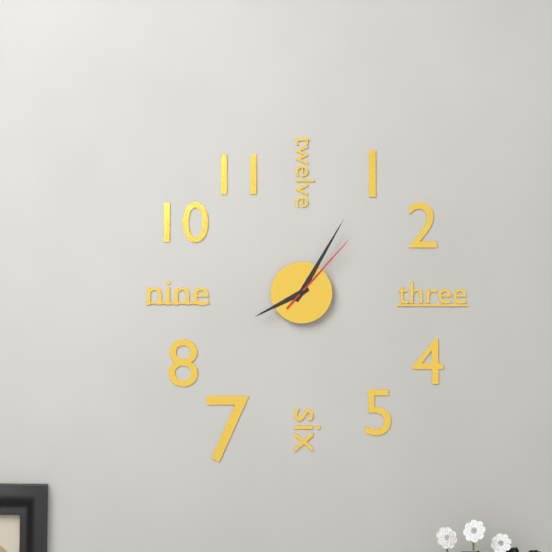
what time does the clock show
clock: 8:05:07
